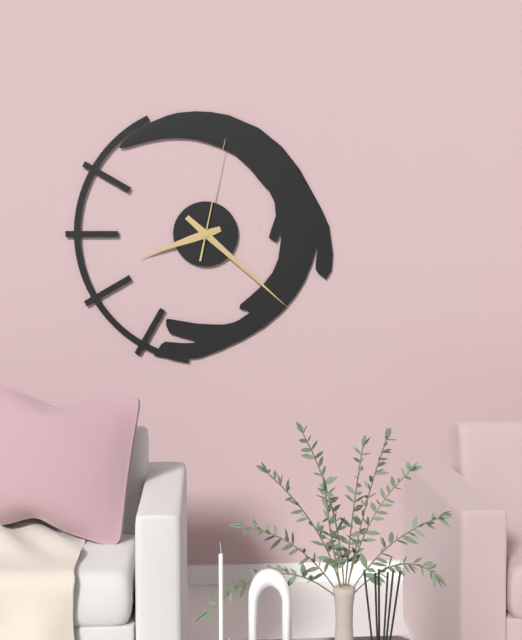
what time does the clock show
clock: 8:22:02
